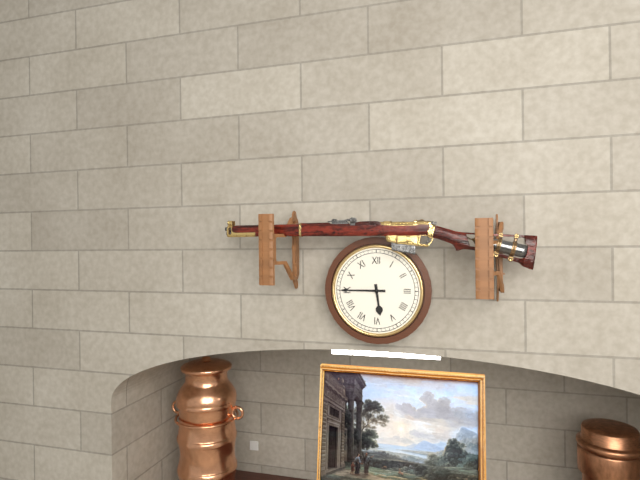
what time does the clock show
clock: 5:45
